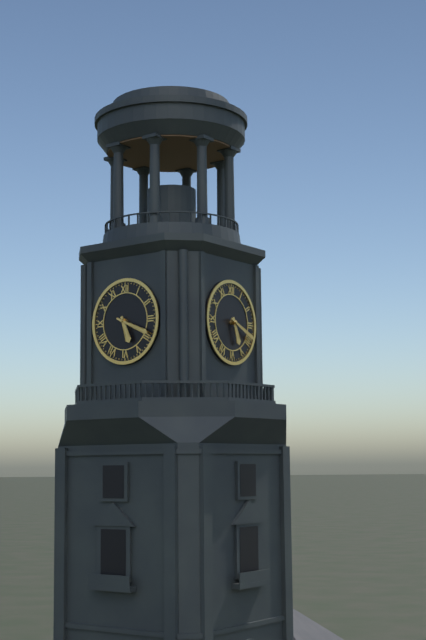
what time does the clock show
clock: 5:19
